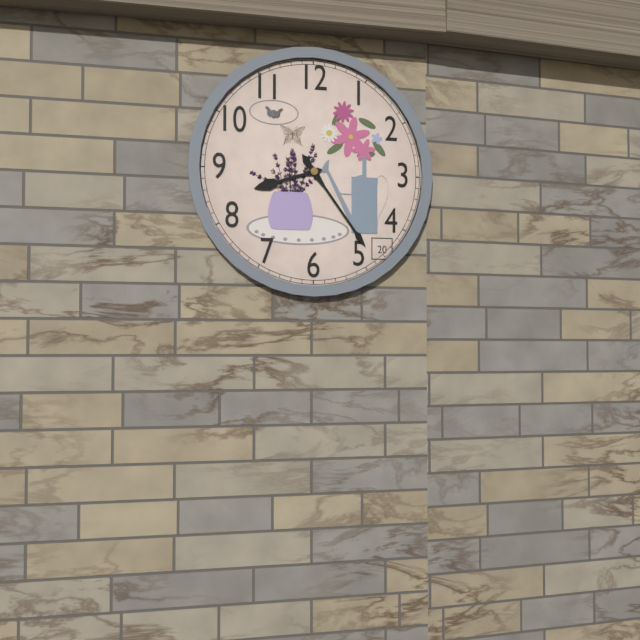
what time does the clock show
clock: 8:24
